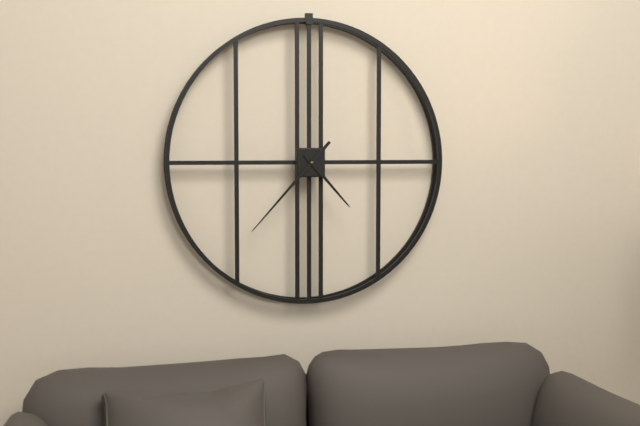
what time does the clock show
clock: 4:37
